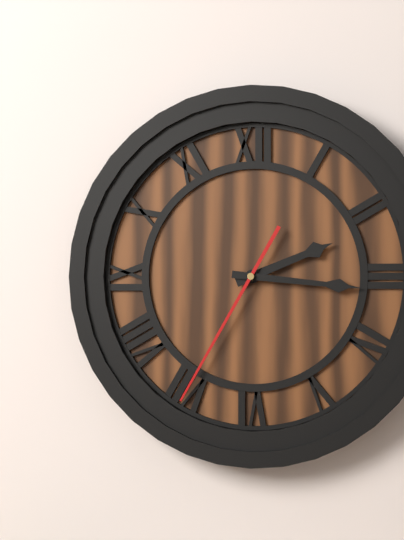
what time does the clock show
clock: 2:16:35
